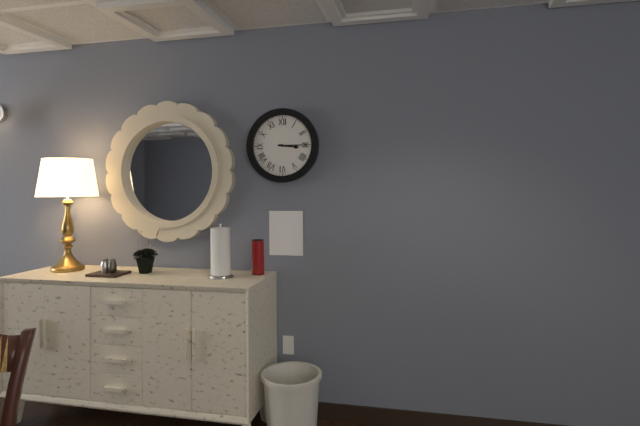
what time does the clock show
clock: 3:15
